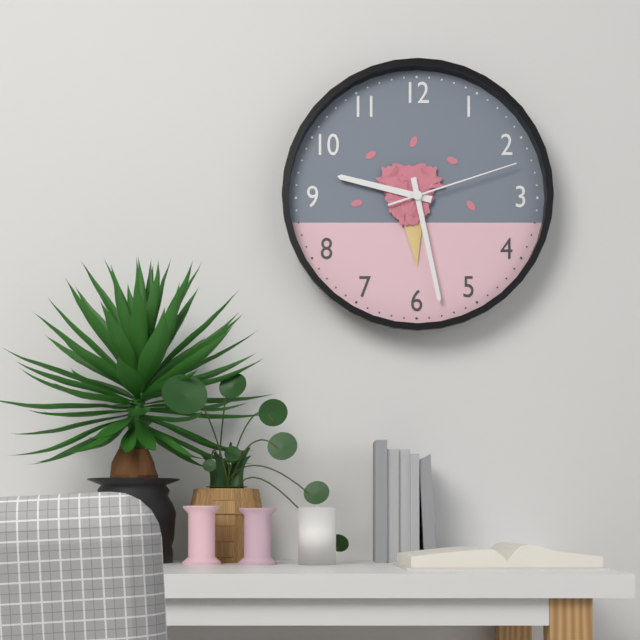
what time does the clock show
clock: 9:28:12
